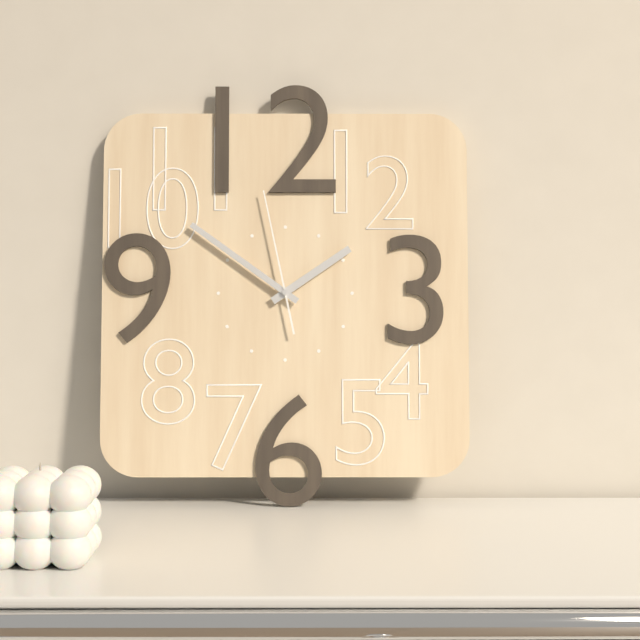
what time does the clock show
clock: 1:51:58
